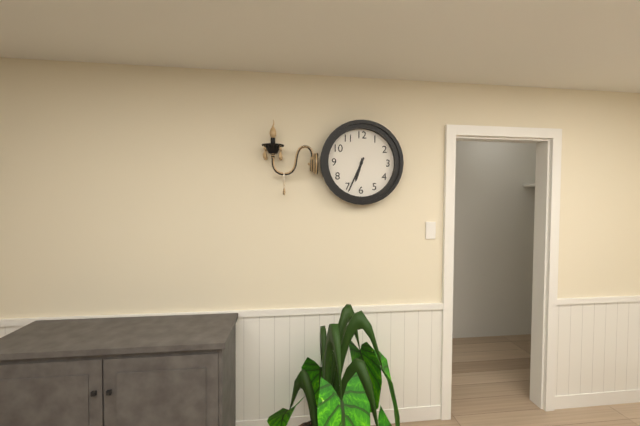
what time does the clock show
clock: 6:34
